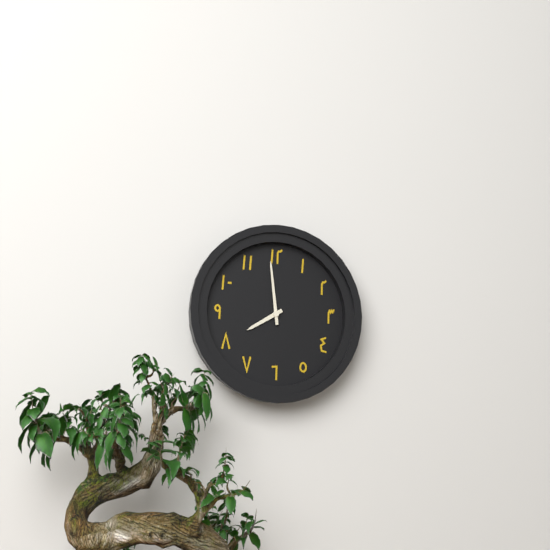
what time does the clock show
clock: 7:59
